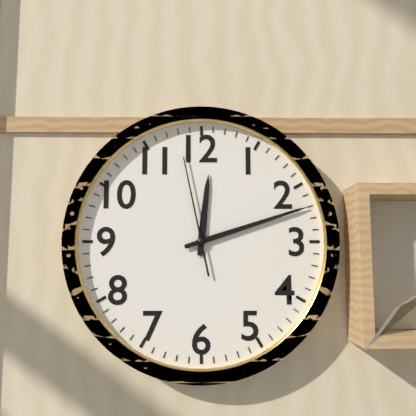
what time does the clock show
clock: 12:12:58
